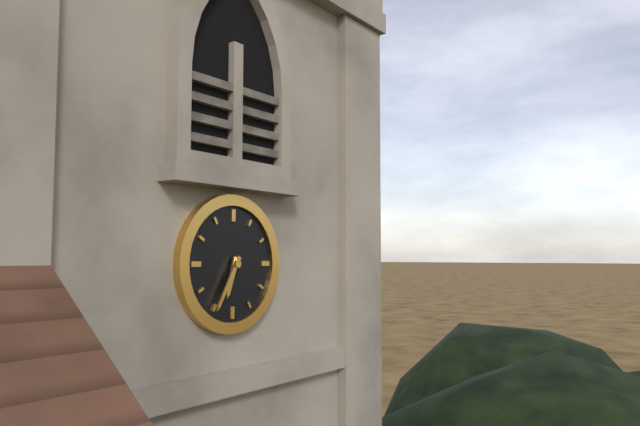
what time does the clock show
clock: 6:35
